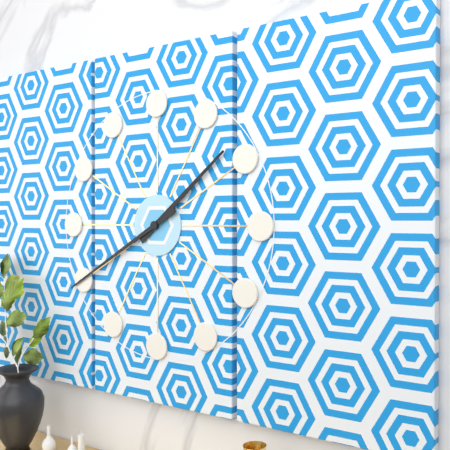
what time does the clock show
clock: 1:40
